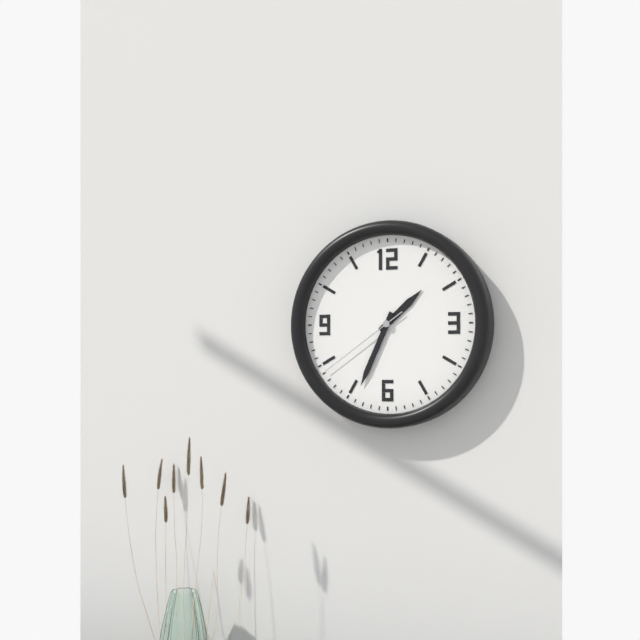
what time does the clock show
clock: 1:34:39
